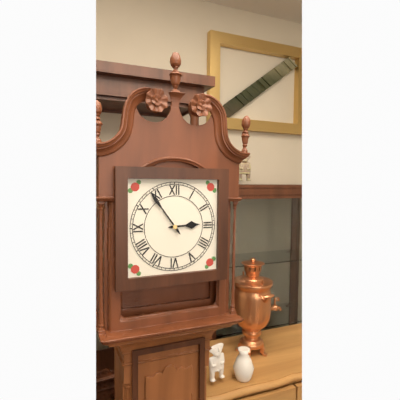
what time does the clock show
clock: 2:54
